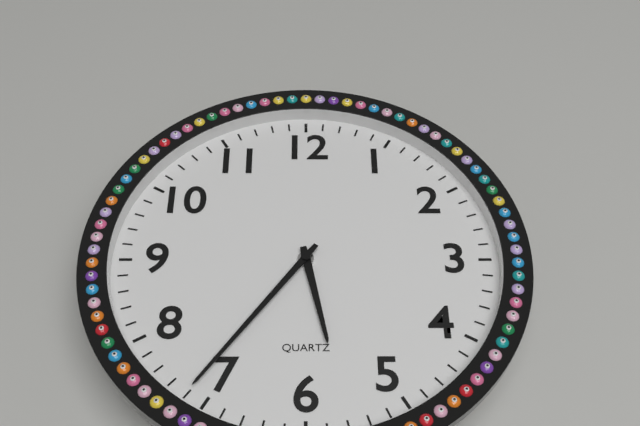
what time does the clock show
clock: 5:36
